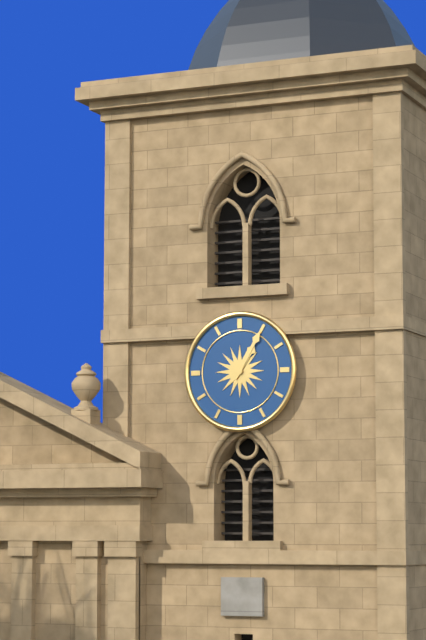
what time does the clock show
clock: 1:05
